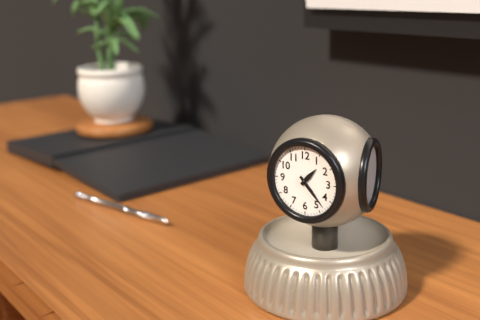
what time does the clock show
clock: 1:23
